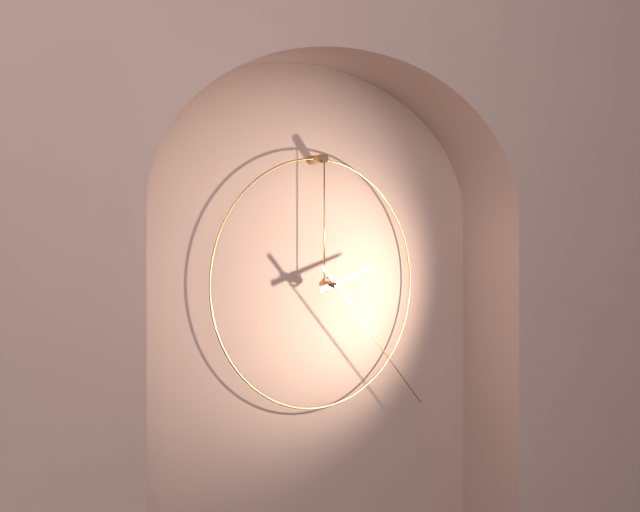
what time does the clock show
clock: 2:23
